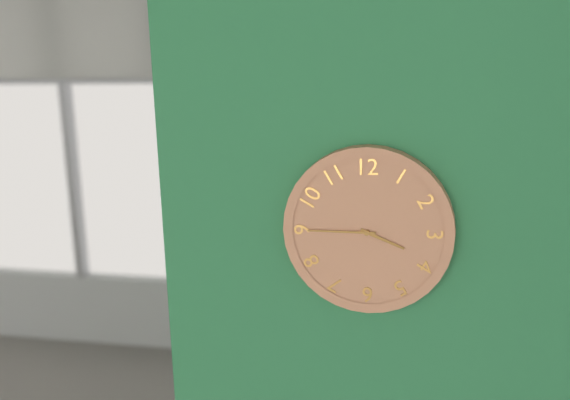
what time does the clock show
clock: 3:45
